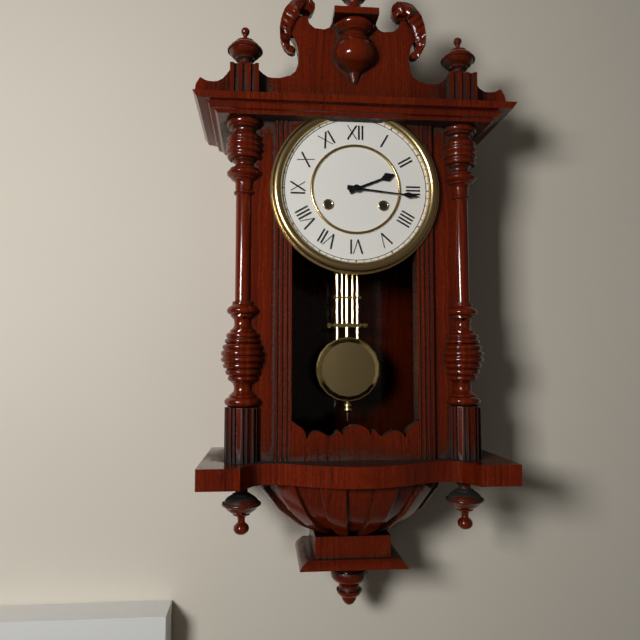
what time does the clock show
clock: 2:16
